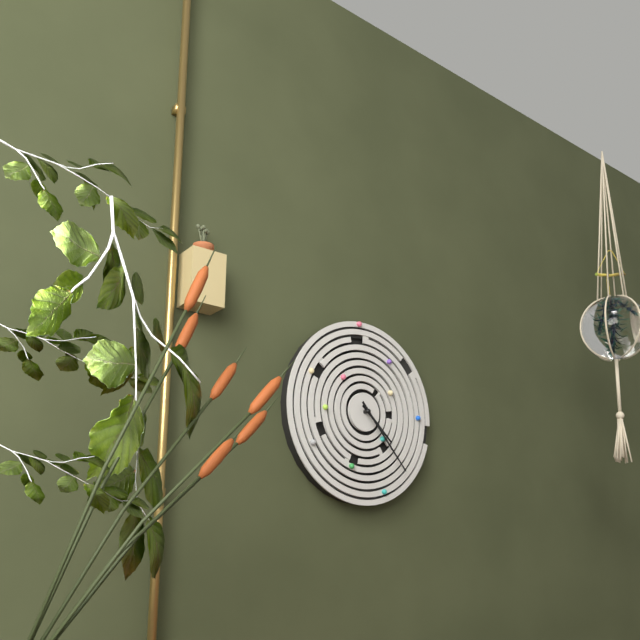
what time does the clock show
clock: 4:23
